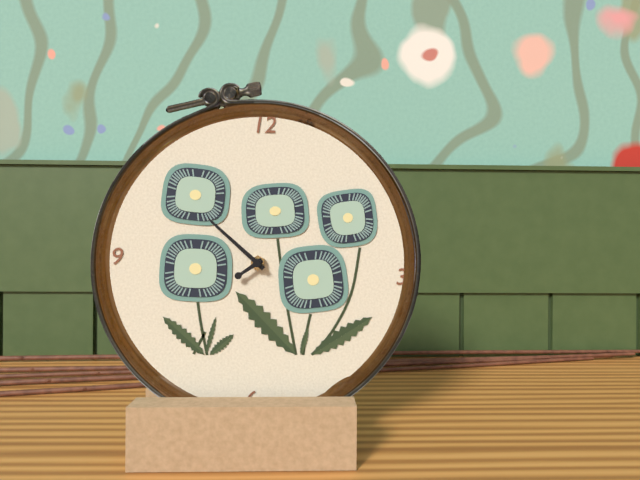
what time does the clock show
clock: 7:52
